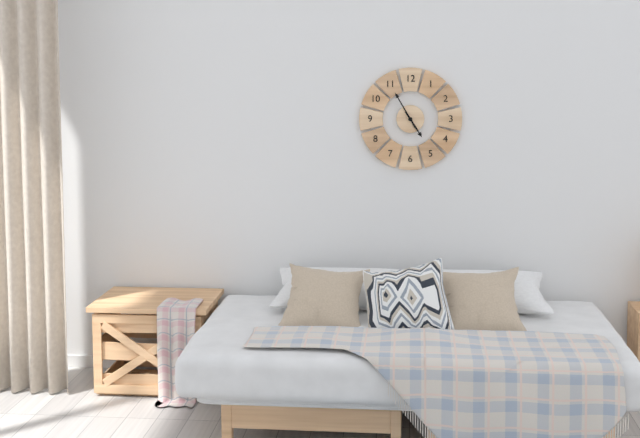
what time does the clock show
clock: 4:55
